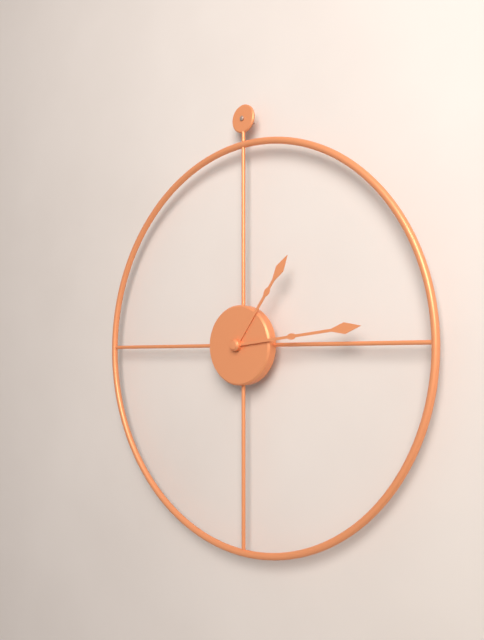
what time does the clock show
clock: 1:14
